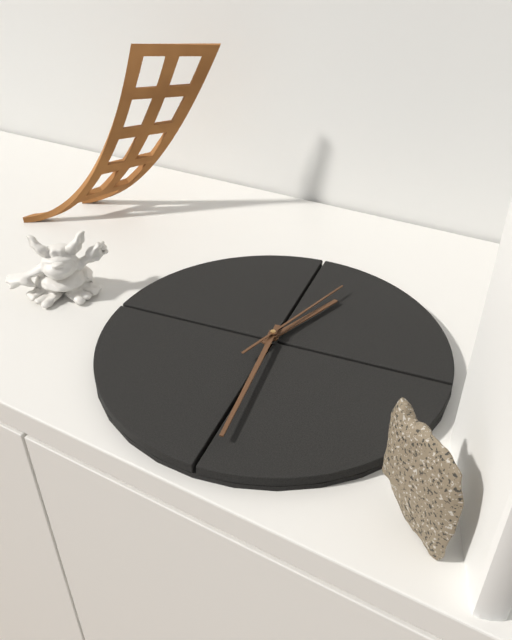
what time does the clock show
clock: 1:33:07
